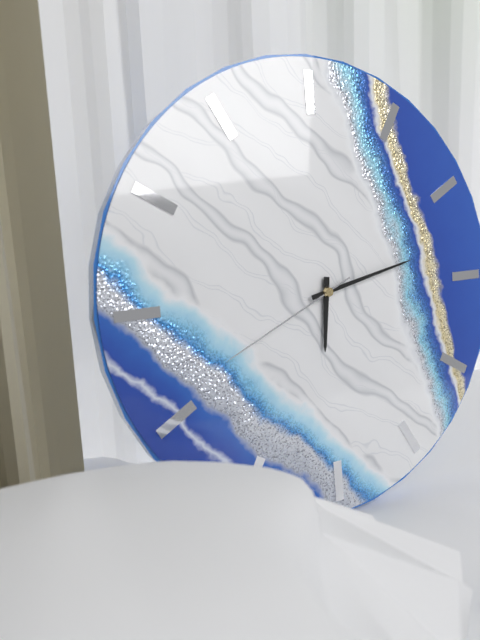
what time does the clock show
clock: 6:13:41
